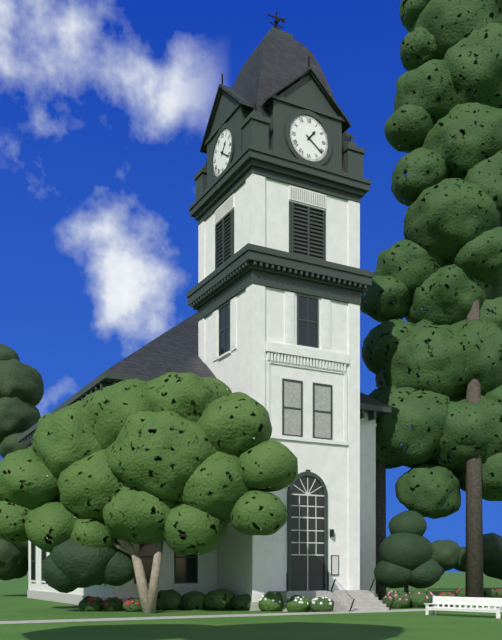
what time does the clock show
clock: 1:21
